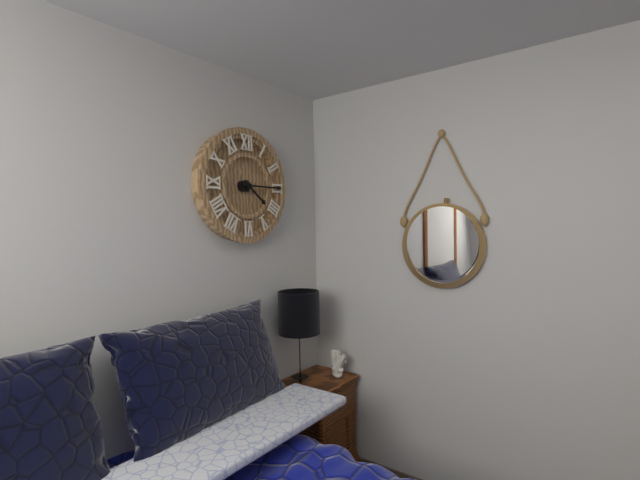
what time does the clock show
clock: 4:15
